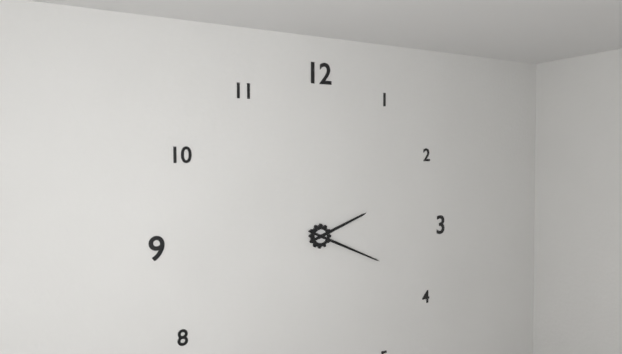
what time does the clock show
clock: 2:19
